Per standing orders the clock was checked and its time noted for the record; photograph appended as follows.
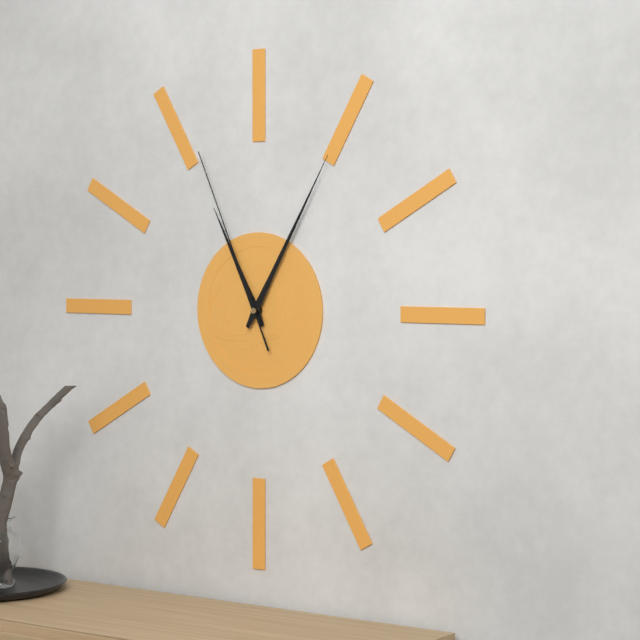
11:05:56
